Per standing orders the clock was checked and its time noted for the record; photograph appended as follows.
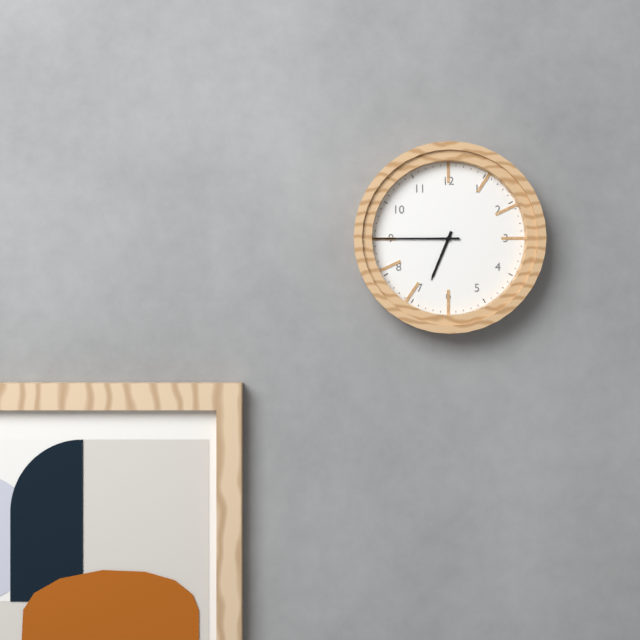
6:45
